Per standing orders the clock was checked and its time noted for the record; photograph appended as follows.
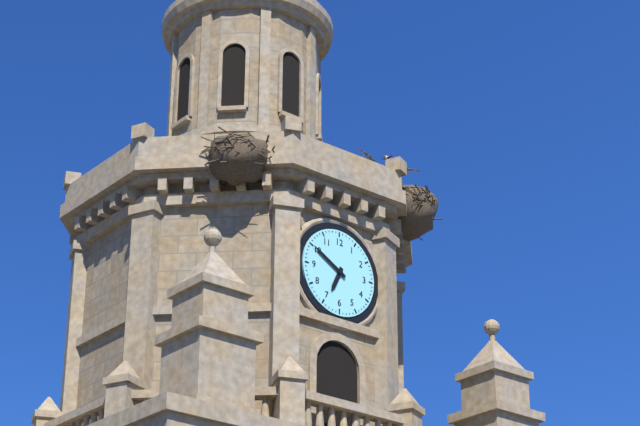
6:50
